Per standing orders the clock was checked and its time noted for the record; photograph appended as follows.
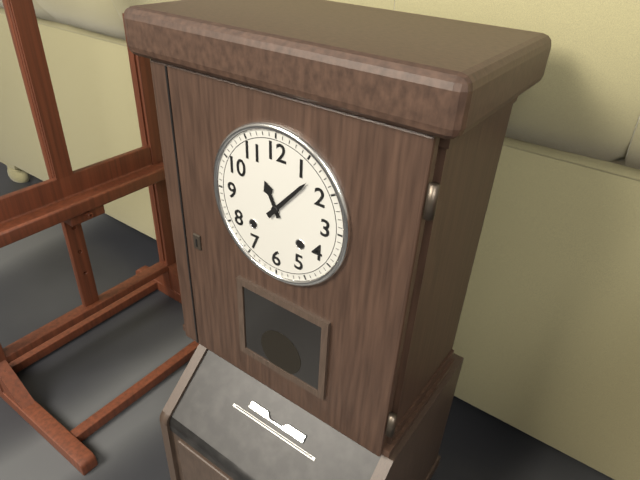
11:07
